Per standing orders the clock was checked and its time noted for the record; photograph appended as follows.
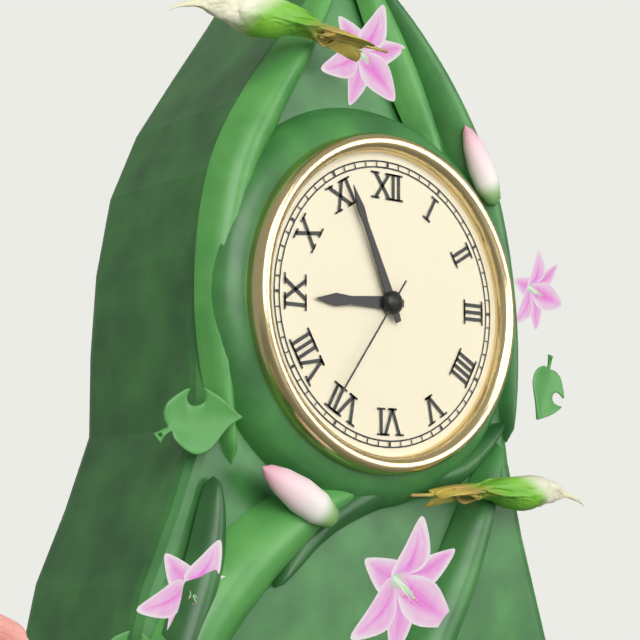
8:56:36
